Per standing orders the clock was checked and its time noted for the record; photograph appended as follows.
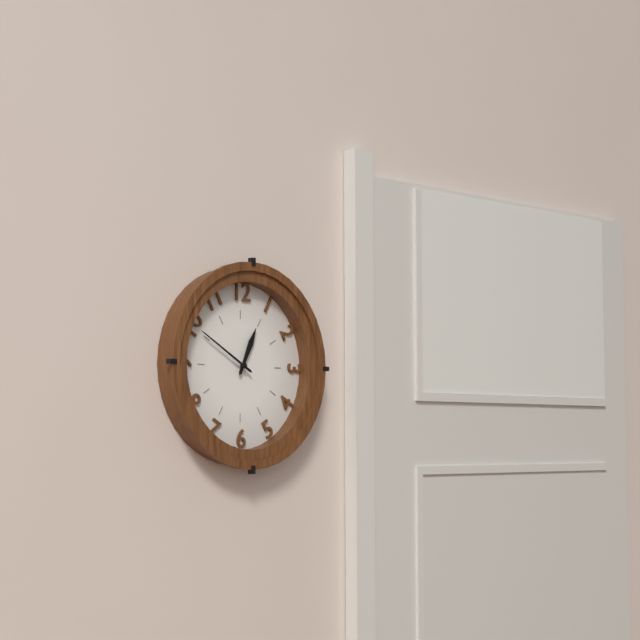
12:50
